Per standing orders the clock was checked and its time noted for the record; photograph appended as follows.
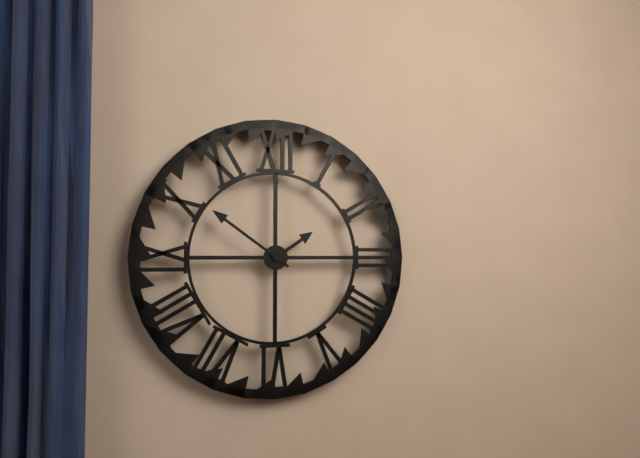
1:51
